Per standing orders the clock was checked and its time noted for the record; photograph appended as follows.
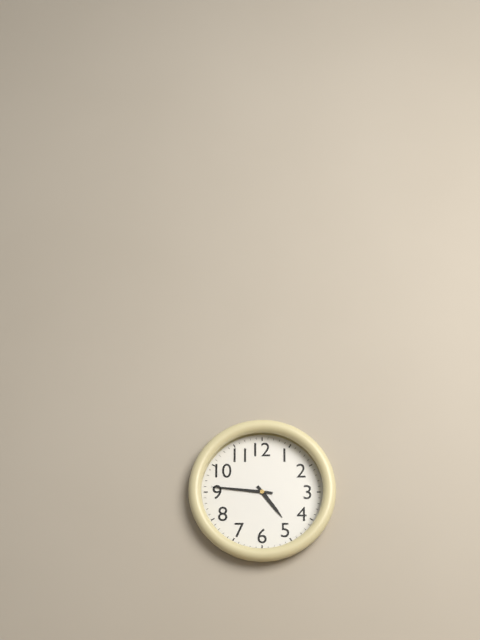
4:46
